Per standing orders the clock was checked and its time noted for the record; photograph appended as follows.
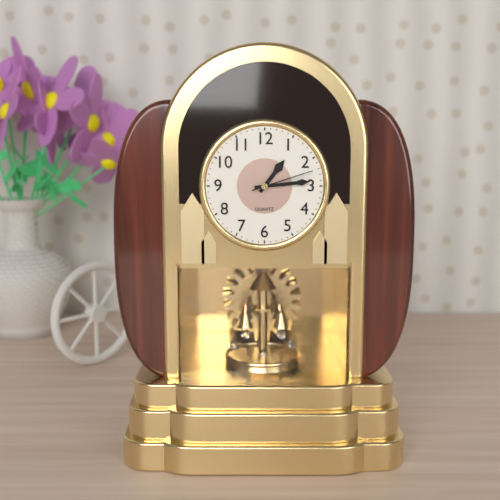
1:14:12
